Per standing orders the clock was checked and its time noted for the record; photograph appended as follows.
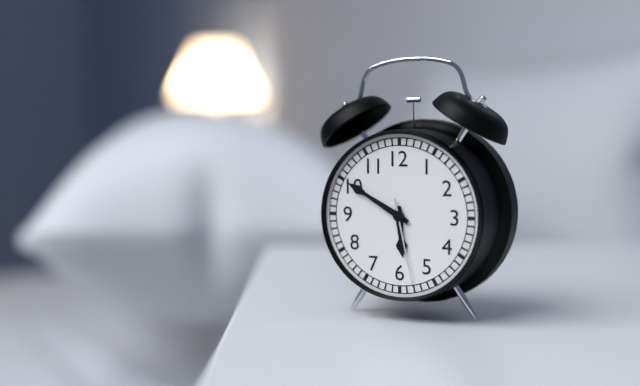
5:50:28
